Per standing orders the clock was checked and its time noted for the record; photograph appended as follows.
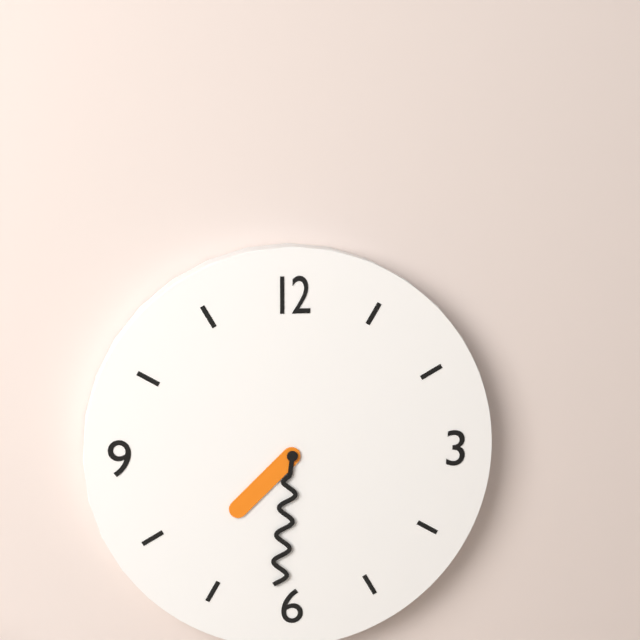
7:31
